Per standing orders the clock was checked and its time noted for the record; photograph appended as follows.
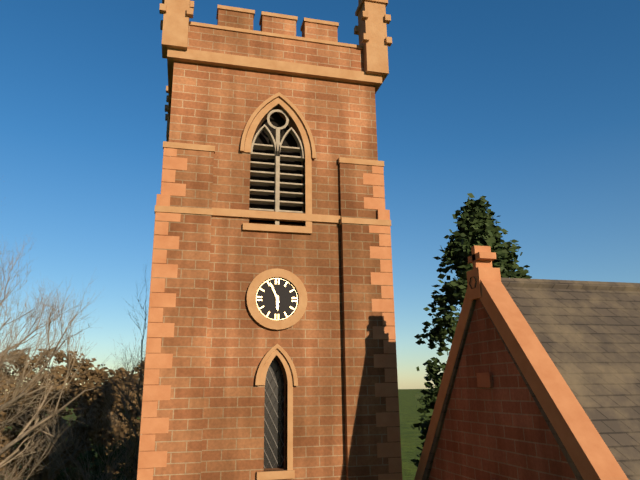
5:56
